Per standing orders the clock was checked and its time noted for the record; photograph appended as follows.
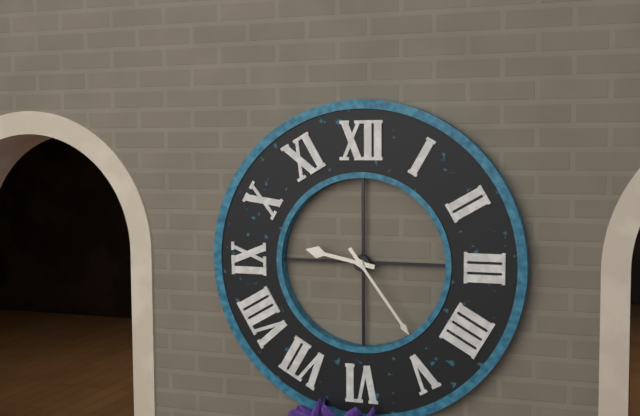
9:24
